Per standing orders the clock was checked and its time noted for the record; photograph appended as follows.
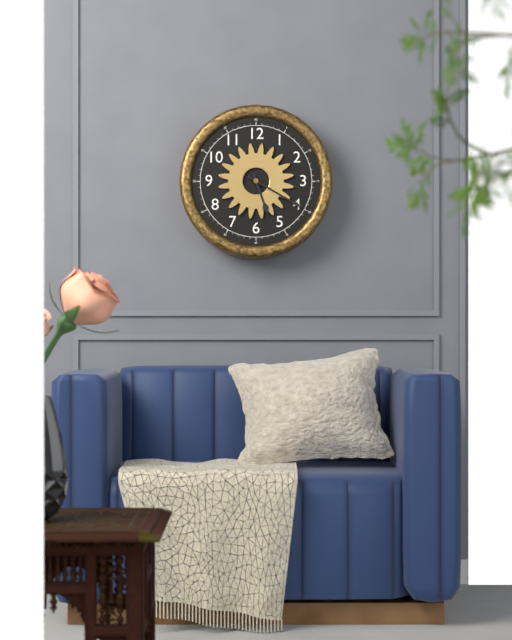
5:20
